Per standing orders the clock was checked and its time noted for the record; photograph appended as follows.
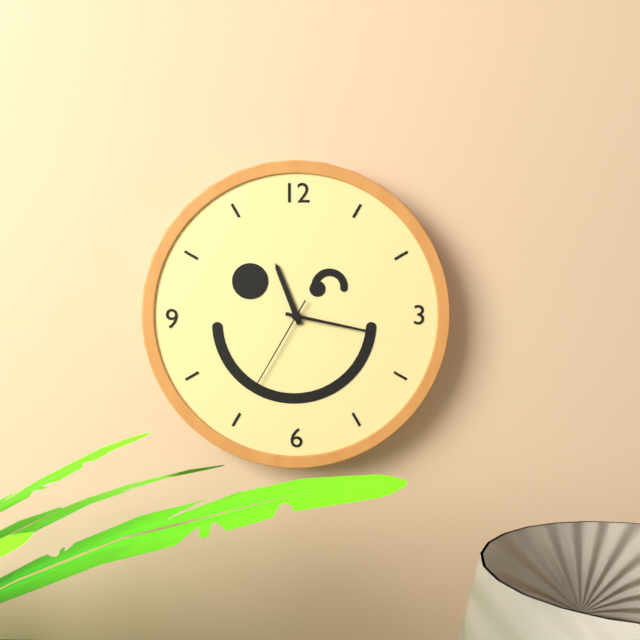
11:17:35
